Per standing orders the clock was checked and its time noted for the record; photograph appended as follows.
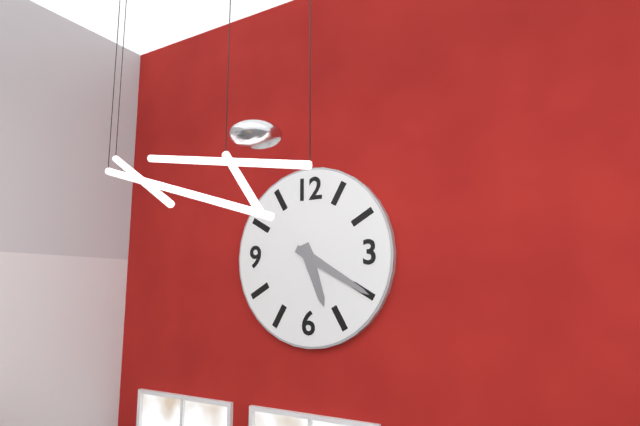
5:20
